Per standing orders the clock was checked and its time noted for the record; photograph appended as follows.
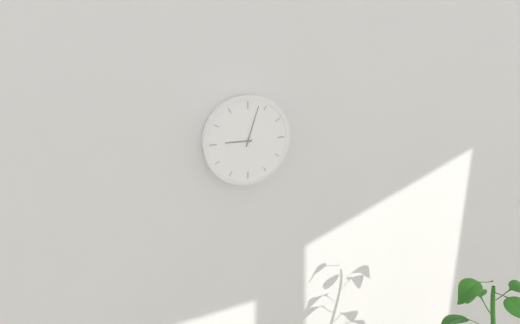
9:03
